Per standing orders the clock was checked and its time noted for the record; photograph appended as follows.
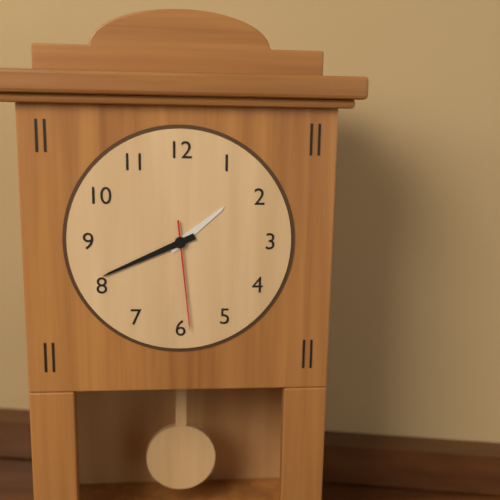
1:41:29
